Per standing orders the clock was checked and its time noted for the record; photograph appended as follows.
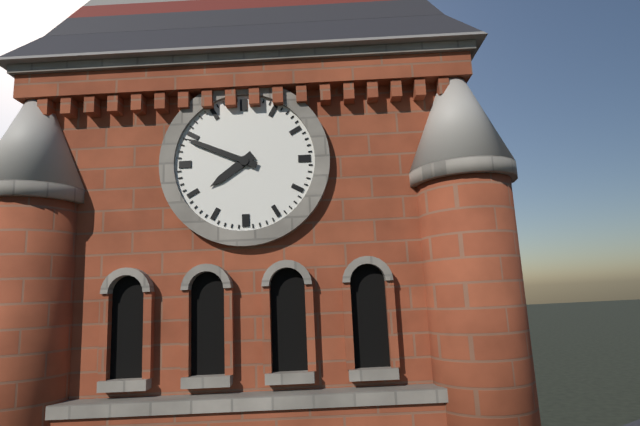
7:49
